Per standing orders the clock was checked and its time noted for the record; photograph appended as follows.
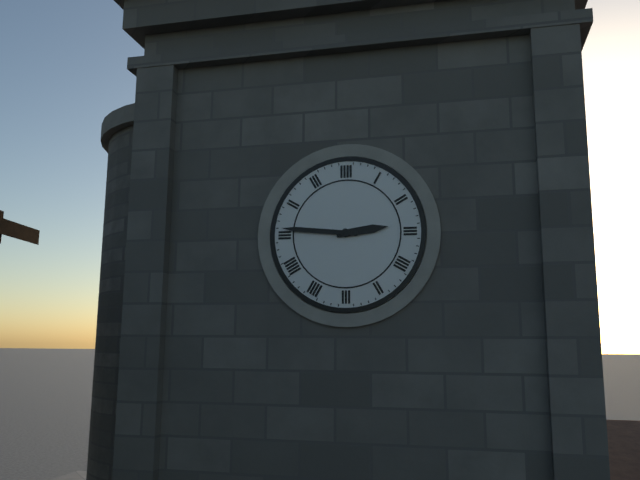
2:46
